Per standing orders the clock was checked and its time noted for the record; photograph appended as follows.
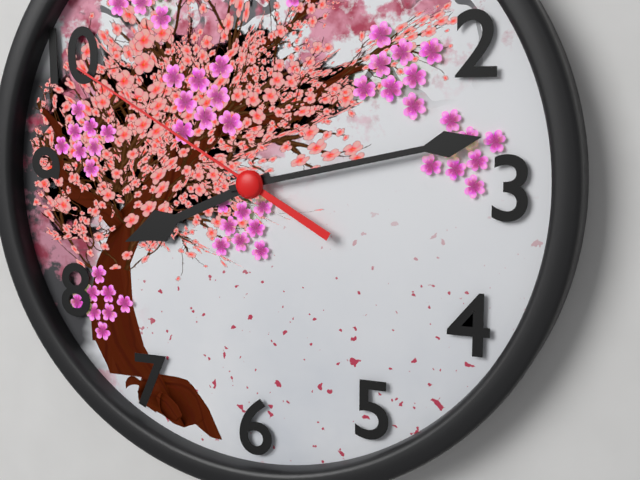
8:13:50
